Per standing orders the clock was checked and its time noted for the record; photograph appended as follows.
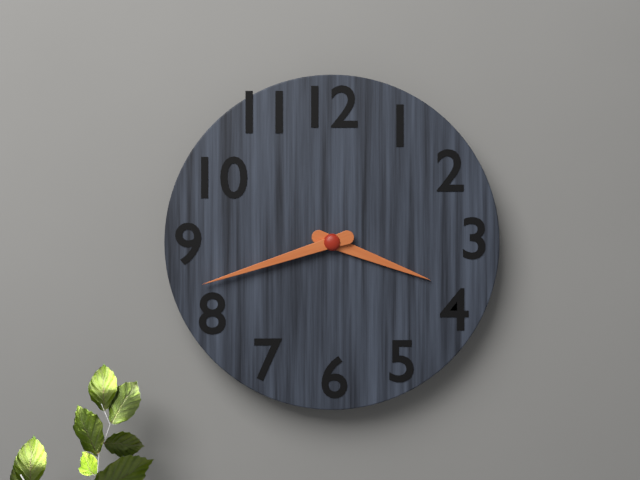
3:42
